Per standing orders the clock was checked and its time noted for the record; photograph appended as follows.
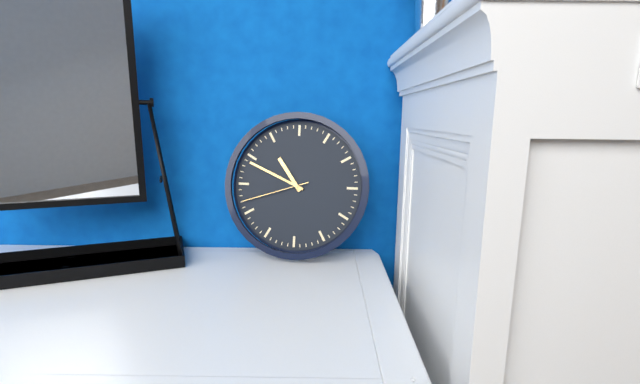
10:49:42
